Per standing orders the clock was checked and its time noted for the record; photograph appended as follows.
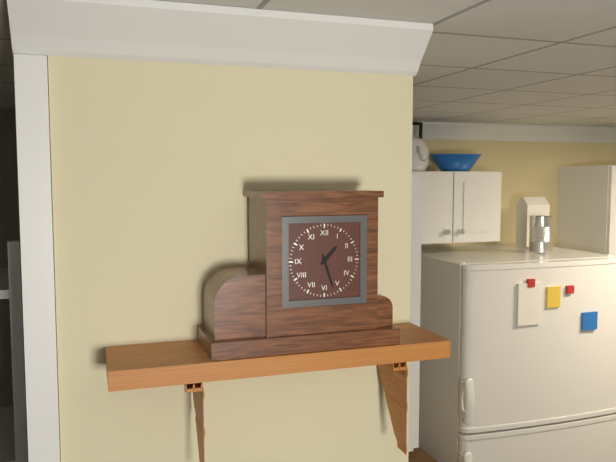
1:27
